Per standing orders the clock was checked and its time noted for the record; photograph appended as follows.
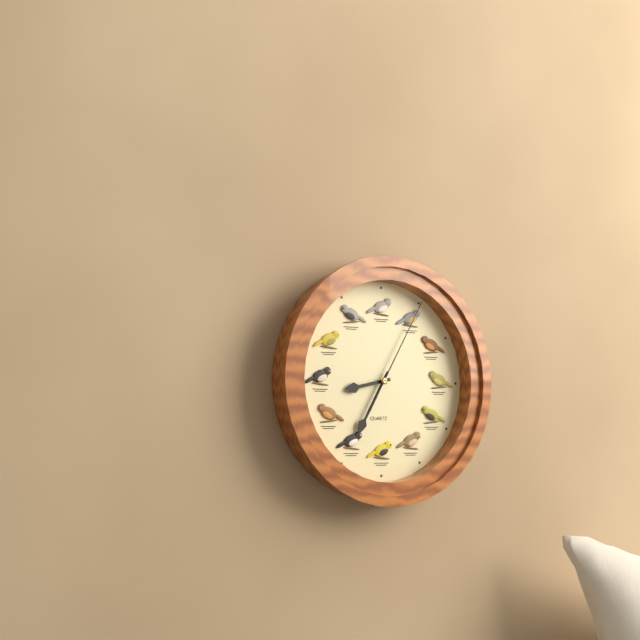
8:35:05
